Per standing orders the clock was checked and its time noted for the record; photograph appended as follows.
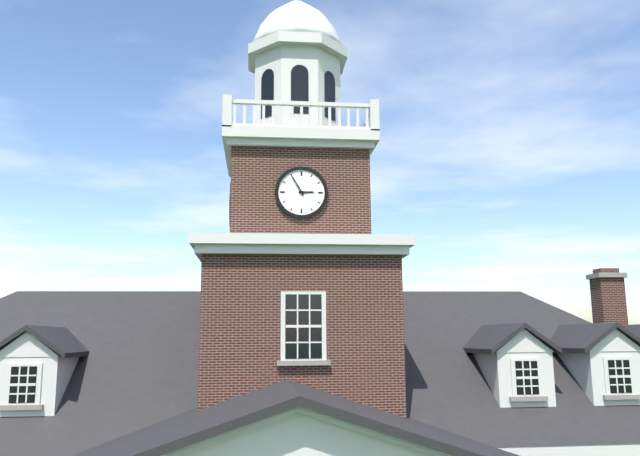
2:55
